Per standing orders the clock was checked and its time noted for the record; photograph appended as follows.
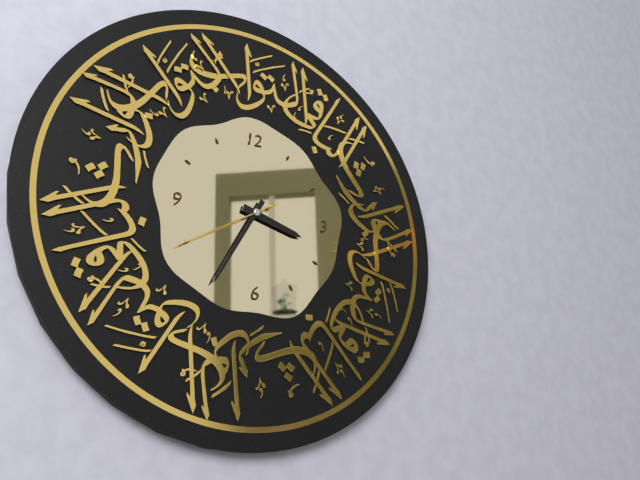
3:35:40
